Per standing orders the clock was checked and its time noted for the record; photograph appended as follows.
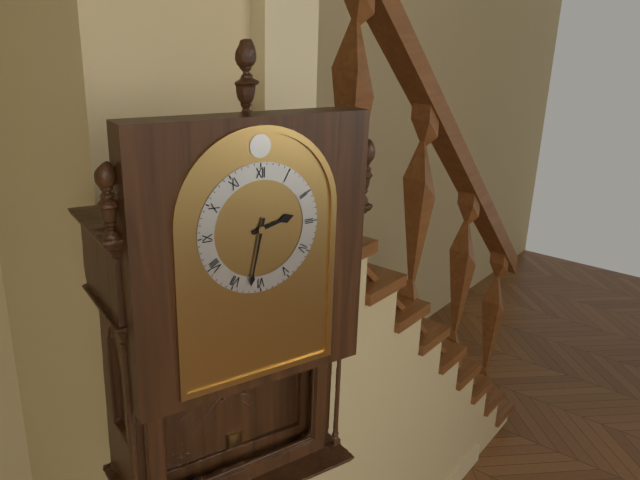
2:32
